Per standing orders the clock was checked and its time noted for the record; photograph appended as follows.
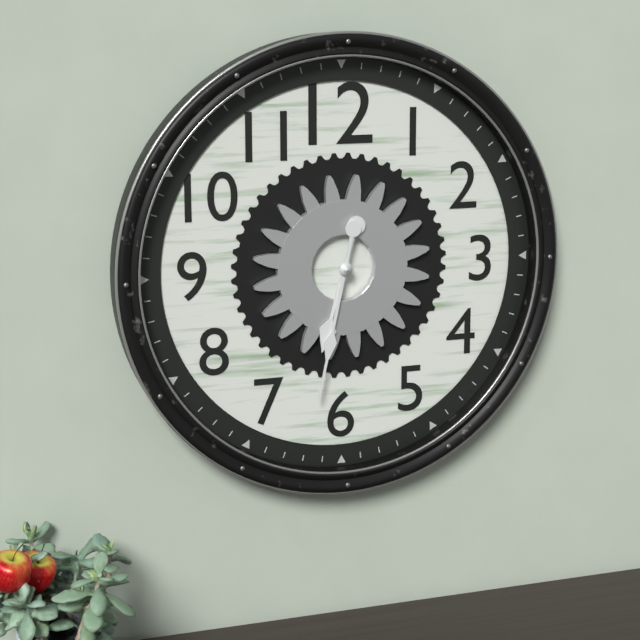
6:32
